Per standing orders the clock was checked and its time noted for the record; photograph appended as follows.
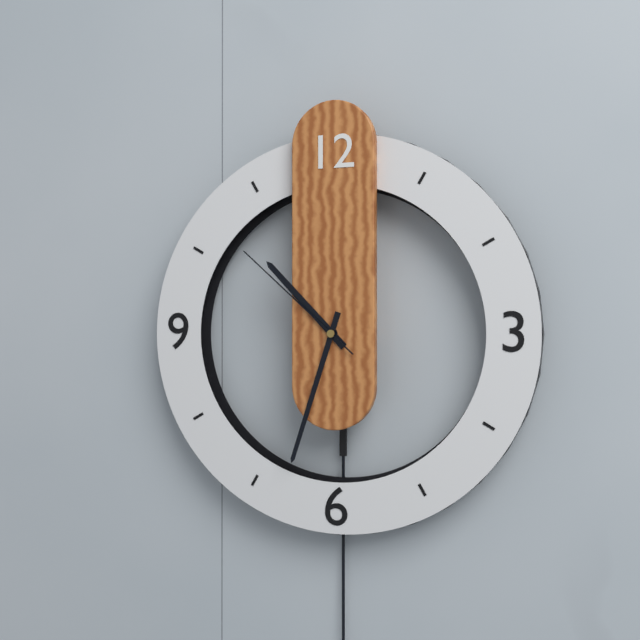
10:33:52
